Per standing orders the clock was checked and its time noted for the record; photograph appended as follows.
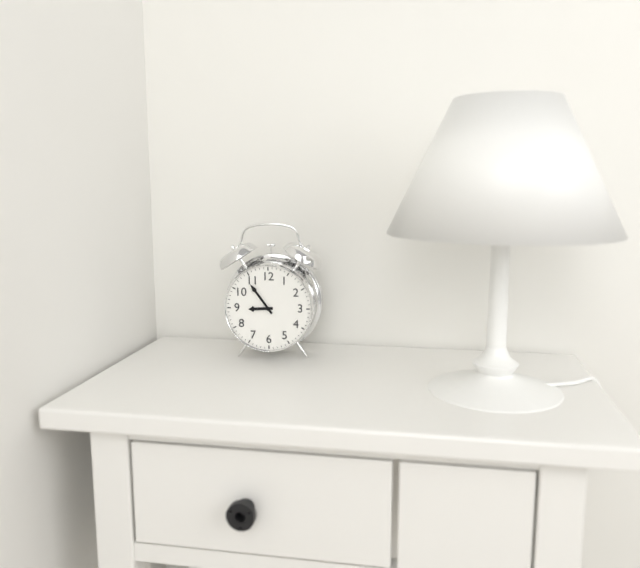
8:54
